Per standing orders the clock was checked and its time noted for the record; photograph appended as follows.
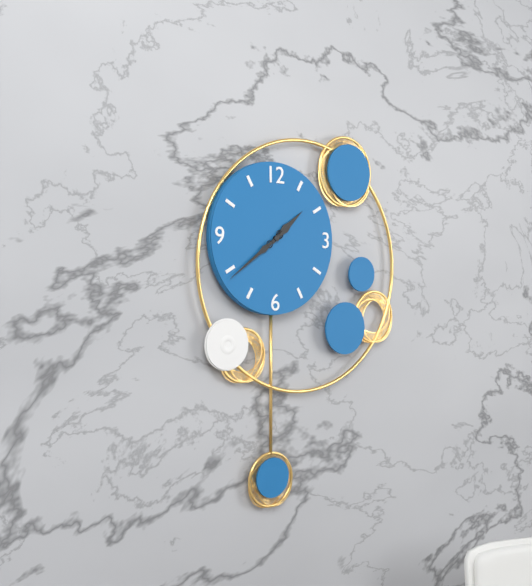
1:39
